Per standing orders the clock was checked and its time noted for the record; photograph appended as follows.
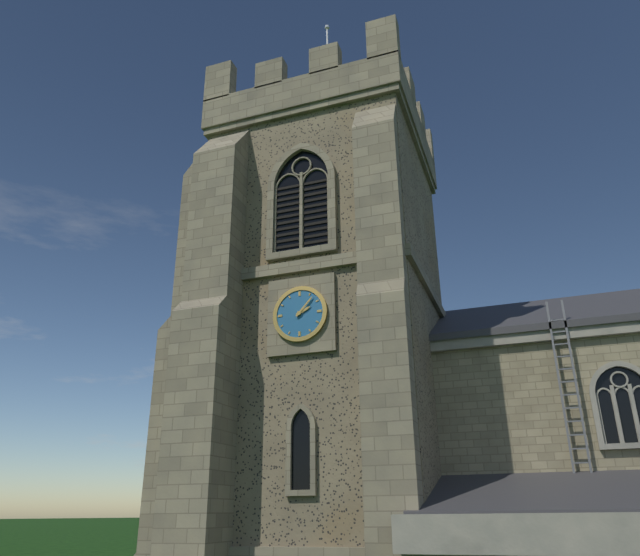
2:07
